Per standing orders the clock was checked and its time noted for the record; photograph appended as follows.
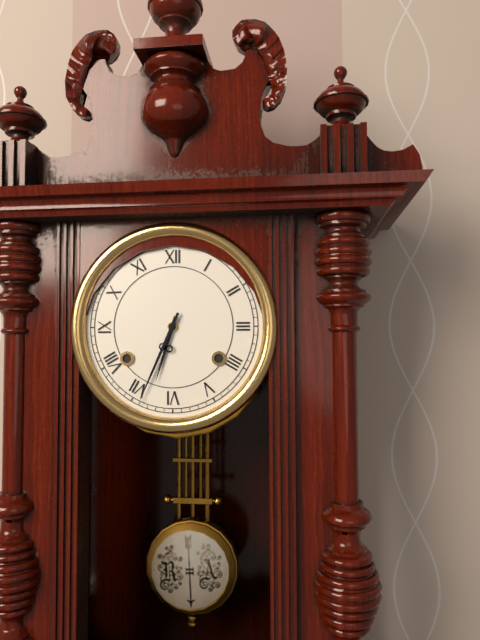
6:34
